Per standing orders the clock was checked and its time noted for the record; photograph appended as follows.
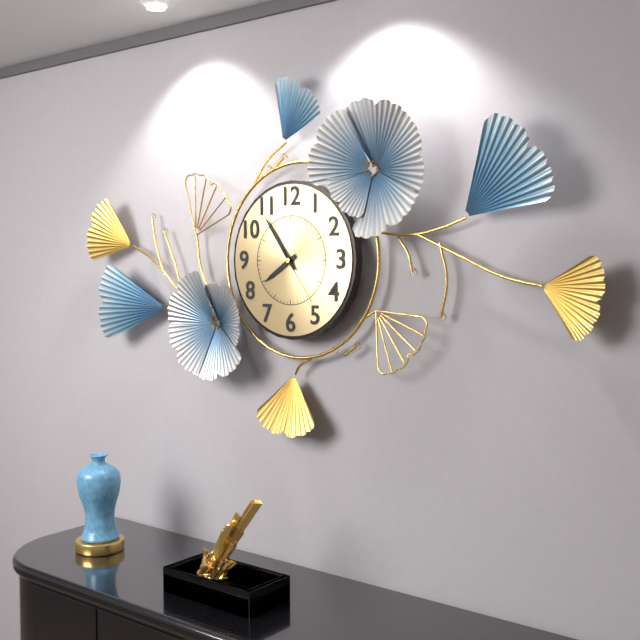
7:54:24
